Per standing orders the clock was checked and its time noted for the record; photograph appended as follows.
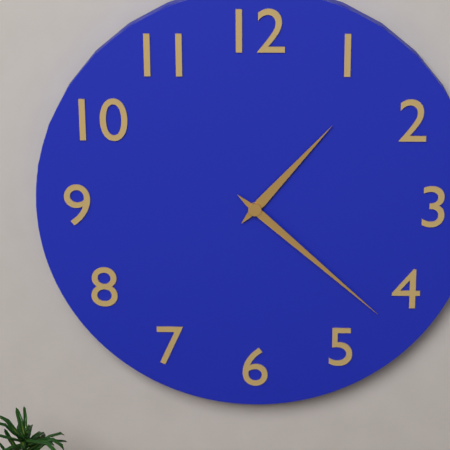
1:22
